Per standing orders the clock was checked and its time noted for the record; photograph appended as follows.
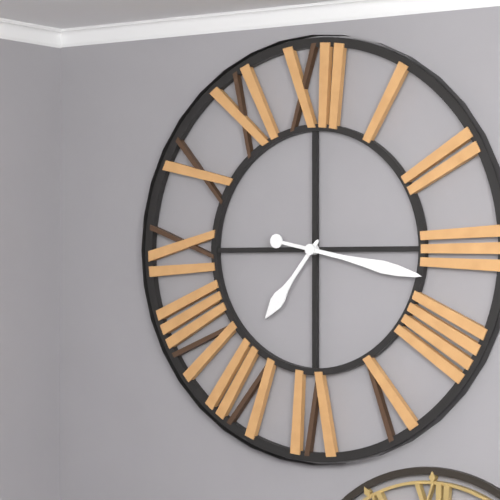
7:17
